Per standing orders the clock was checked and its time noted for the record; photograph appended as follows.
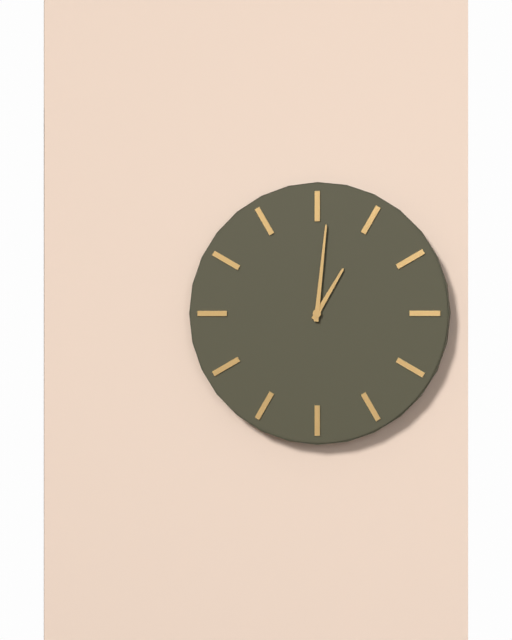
1:01
